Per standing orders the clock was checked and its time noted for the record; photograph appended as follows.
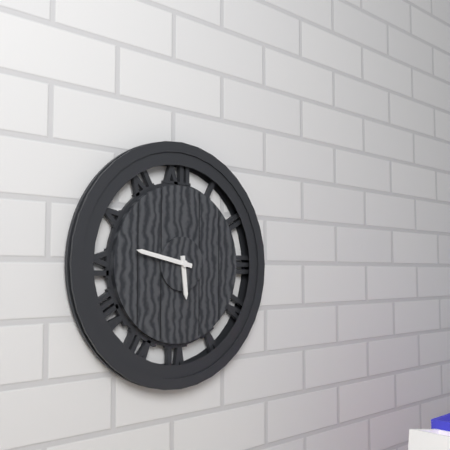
5:47
